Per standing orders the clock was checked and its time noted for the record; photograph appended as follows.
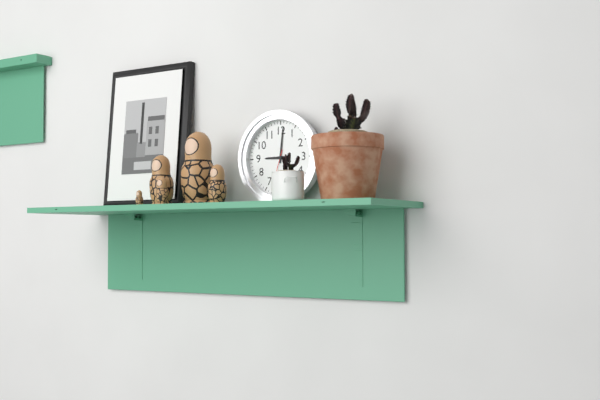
9:01
